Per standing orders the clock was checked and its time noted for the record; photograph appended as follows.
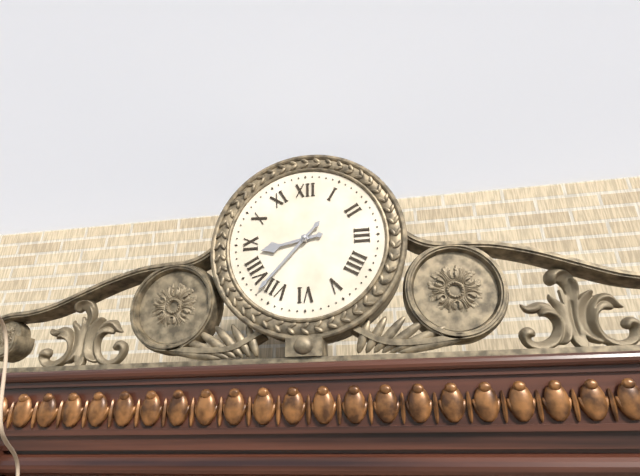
8:37
